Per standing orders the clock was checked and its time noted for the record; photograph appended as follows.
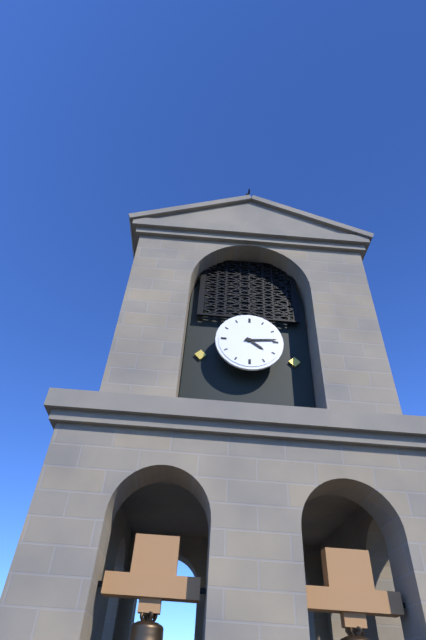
4:14
